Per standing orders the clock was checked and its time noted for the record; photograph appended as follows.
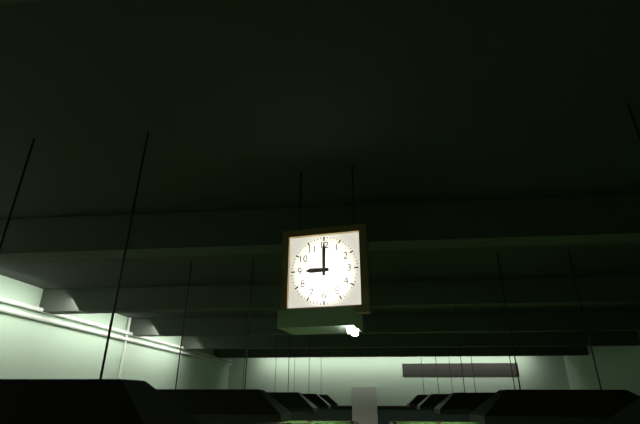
9:00
